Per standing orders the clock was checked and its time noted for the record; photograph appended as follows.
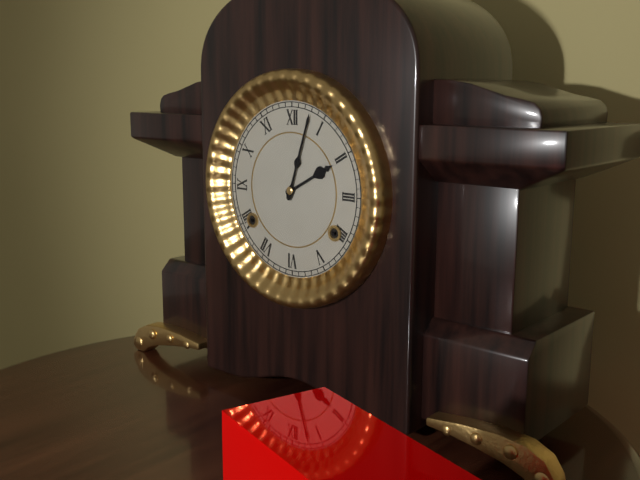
2:03
